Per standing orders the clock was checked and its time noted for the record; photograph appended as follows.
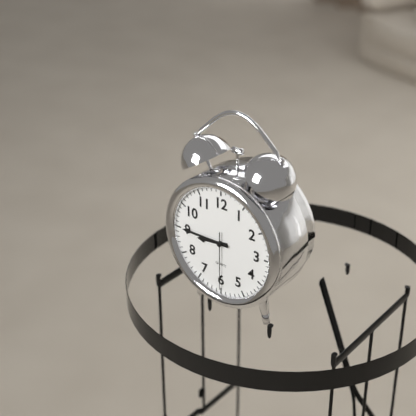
8:45:30
